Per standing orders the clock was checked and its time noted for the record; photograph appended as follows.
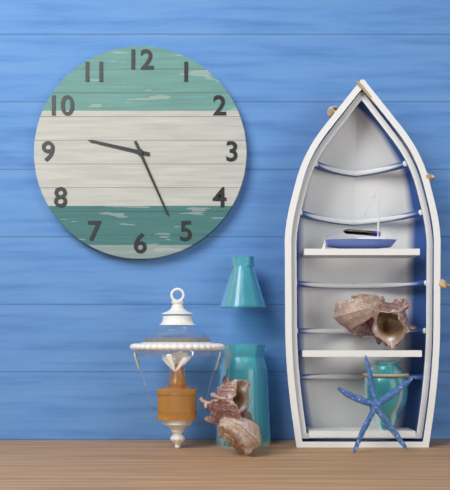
9:26
